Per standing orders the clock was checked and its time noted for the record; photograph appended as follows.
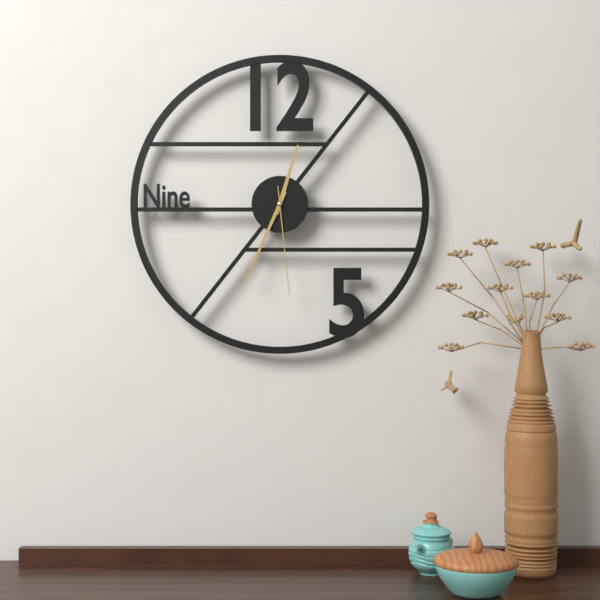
12:34:29
